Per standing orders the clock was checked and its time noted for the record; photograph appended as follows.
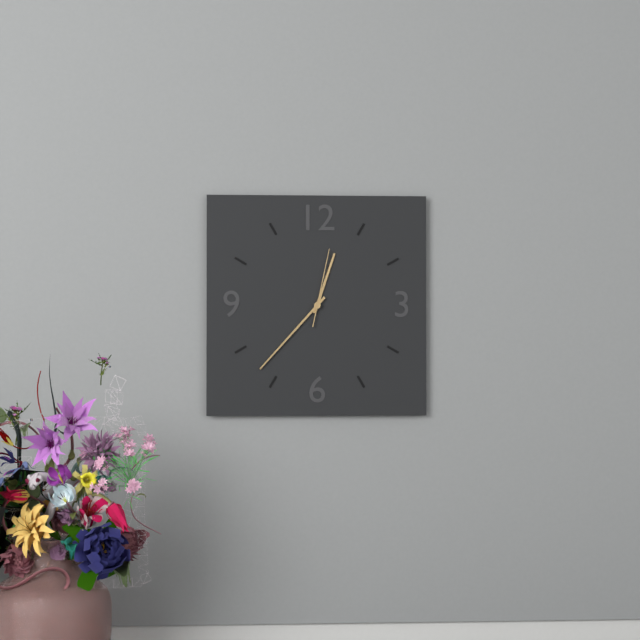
12:37:02
